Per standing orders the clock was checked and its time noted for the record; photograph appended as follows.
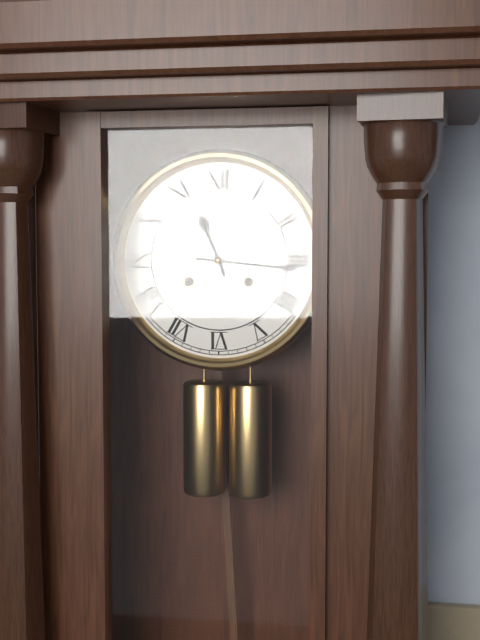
11:16
